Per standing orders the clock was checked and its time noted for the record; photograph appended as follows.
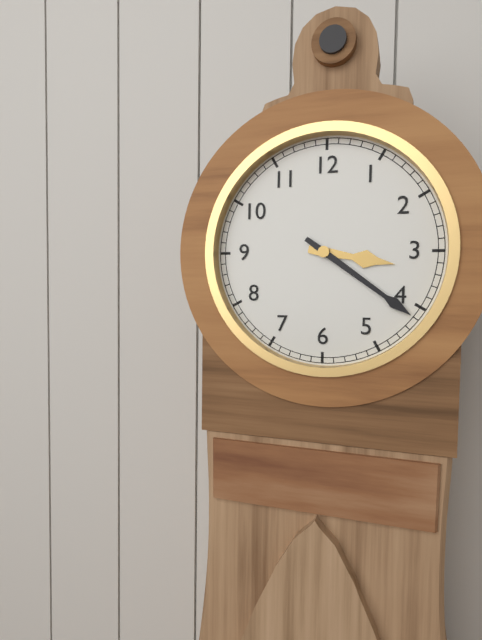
3:21
